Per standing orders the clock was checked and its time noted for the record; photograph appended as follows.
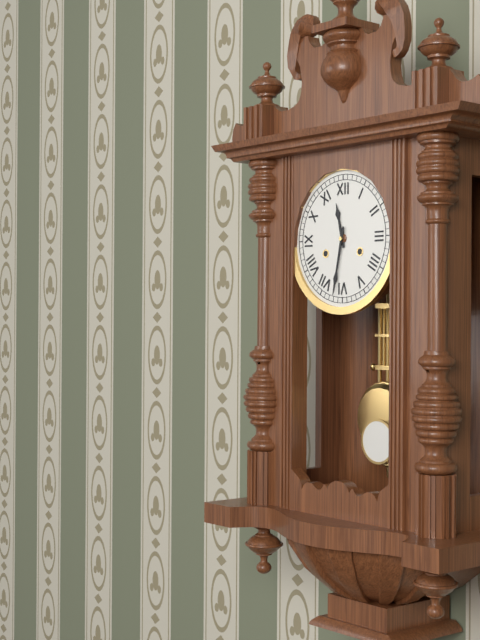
11:32
